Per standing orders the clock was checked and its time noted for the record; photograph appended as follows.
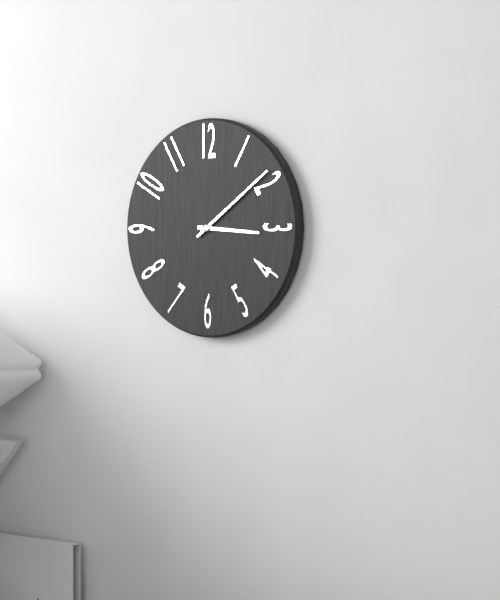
3:09
